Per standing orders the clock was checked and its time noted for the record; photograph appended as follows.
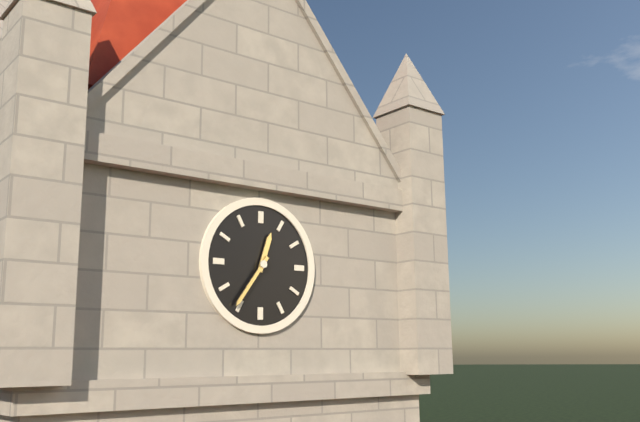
12:36
